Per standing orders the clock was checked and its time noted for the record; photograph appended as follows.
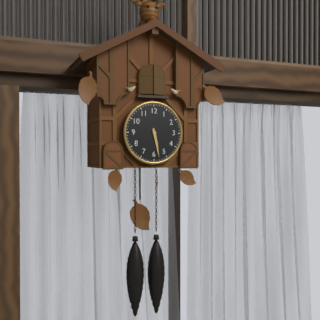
5:28
